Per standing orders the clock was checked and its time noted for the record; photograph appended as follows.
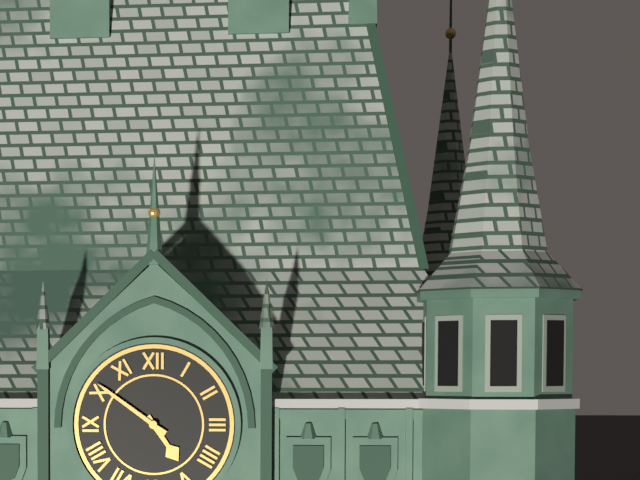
4:51
